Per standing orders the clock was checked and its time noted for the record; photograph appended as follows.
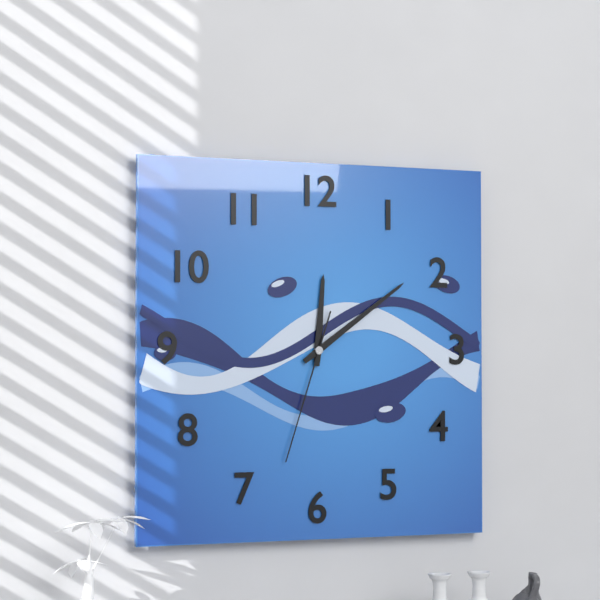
12:09:33
